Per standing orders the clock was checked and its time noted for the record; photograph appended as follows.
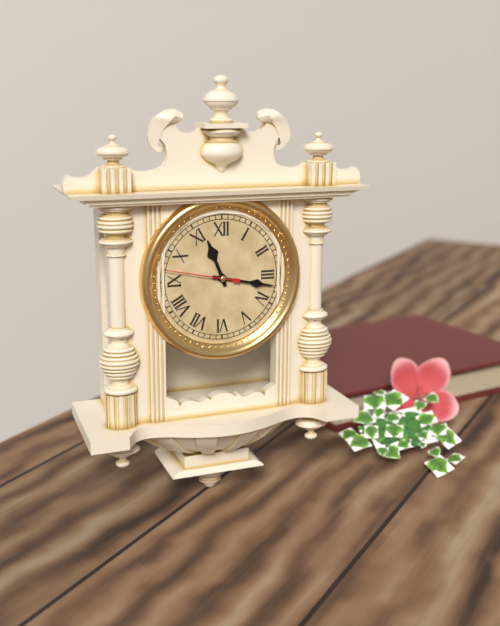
11:17:47
